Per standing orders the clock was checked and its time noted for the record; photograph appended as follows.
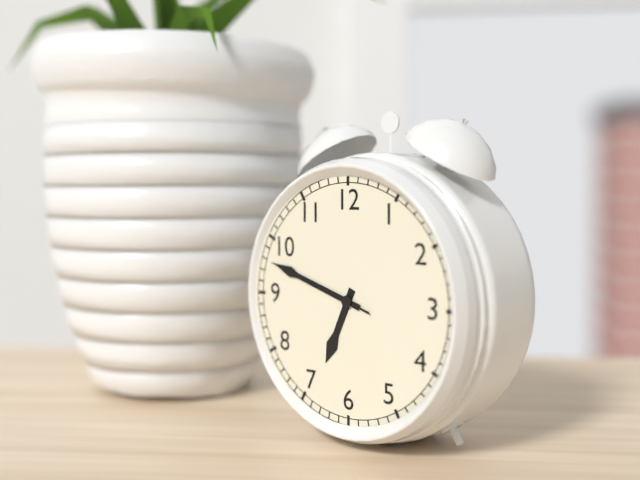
6:48:48
